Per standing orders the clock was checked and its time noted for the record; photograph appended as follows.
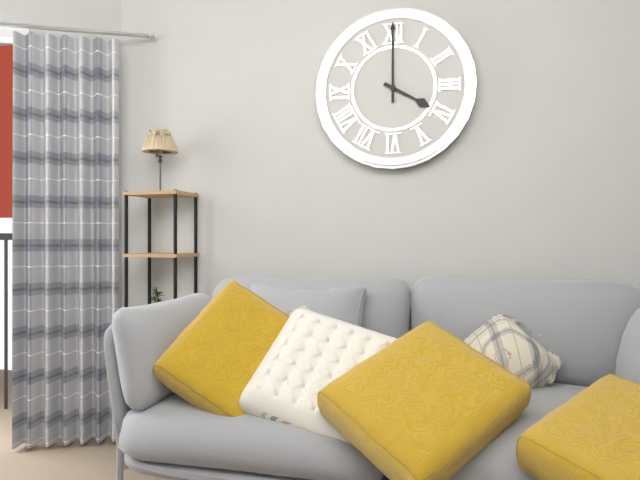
4:00
